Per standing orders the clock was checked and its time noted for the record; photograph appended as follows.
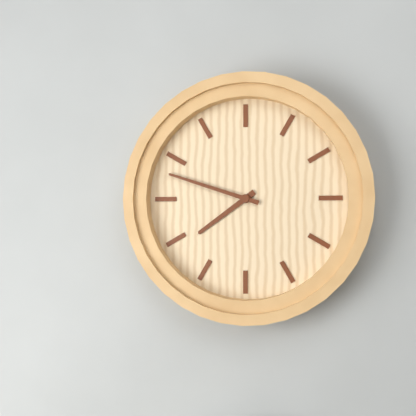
7:48
